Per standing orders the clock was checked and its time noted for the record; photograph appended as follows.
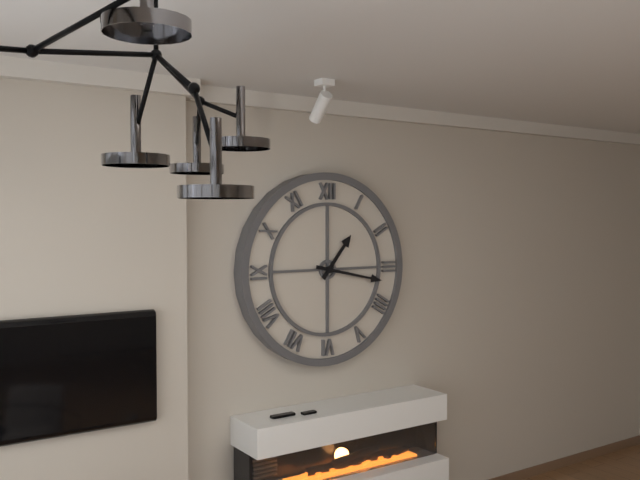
1:17
